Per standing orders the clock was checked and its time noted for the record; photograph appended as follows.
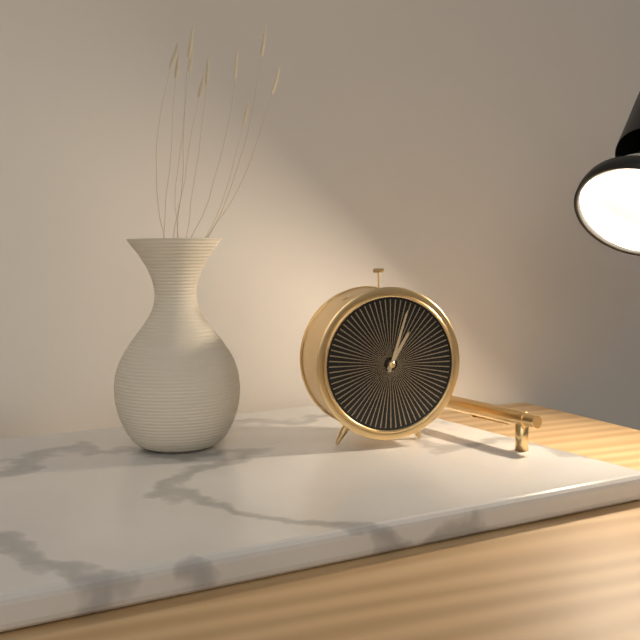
1:03
